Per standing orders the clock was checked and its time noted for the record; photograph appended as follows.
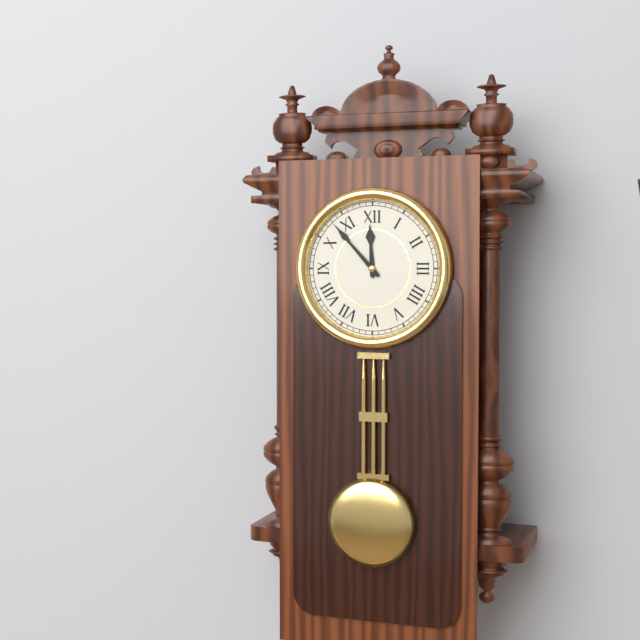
11:53
